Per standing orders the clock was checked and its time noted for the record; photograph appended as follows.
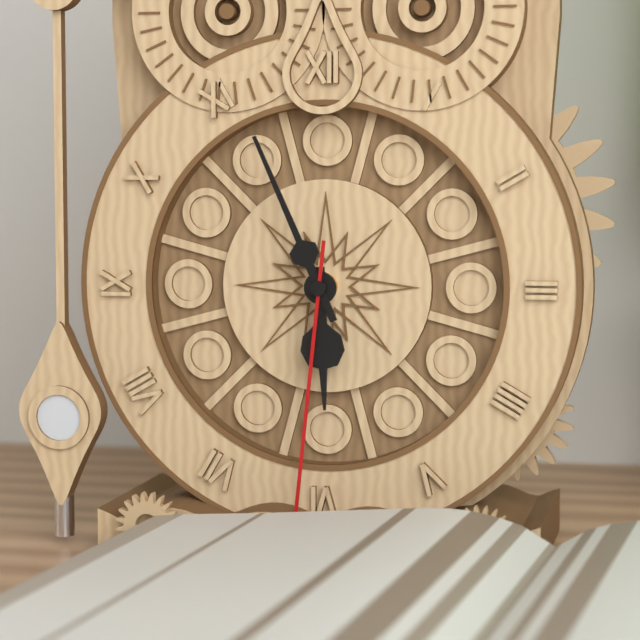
5:56:31
